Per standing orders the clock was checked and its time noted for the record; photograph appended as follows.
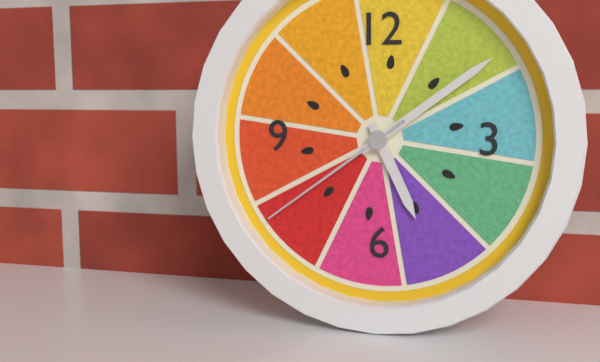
5:09:39
